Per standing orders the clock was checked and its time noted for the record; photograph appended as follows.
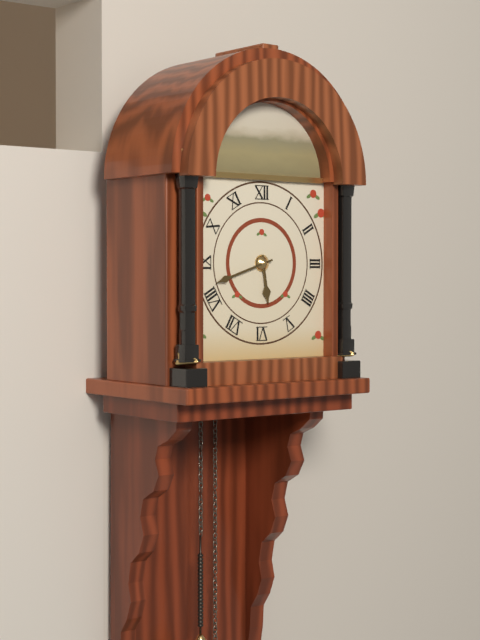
5:42
